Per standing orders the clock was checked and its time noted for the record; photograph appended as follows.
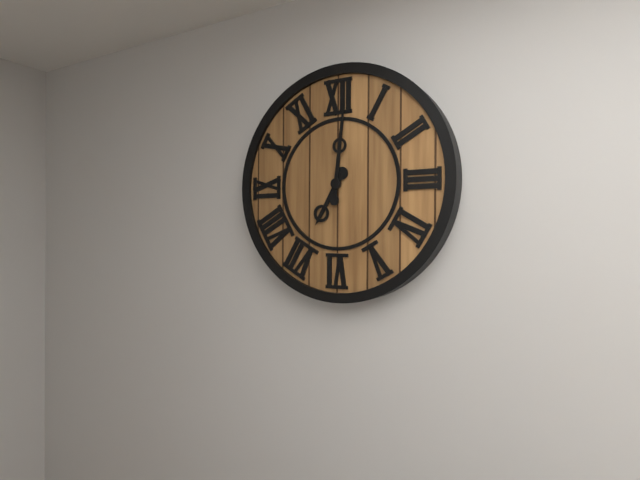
7:01
